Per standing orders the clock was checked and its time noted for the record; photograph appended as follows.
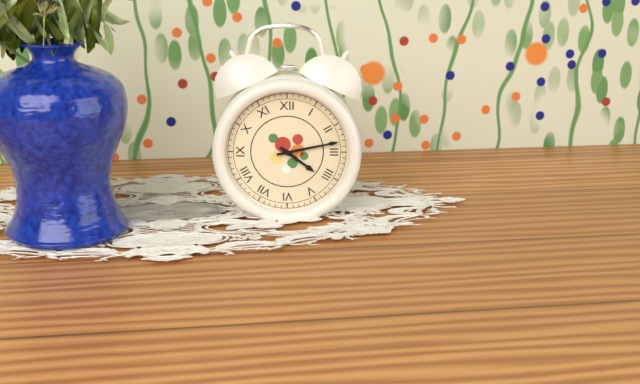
4:13
